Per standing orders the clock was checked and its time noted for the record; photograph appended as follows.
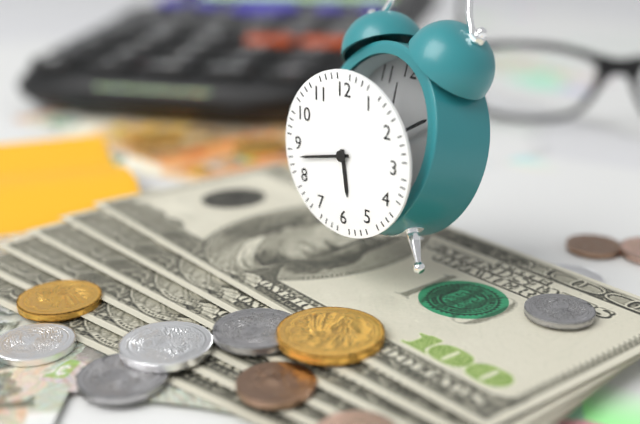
5:43
